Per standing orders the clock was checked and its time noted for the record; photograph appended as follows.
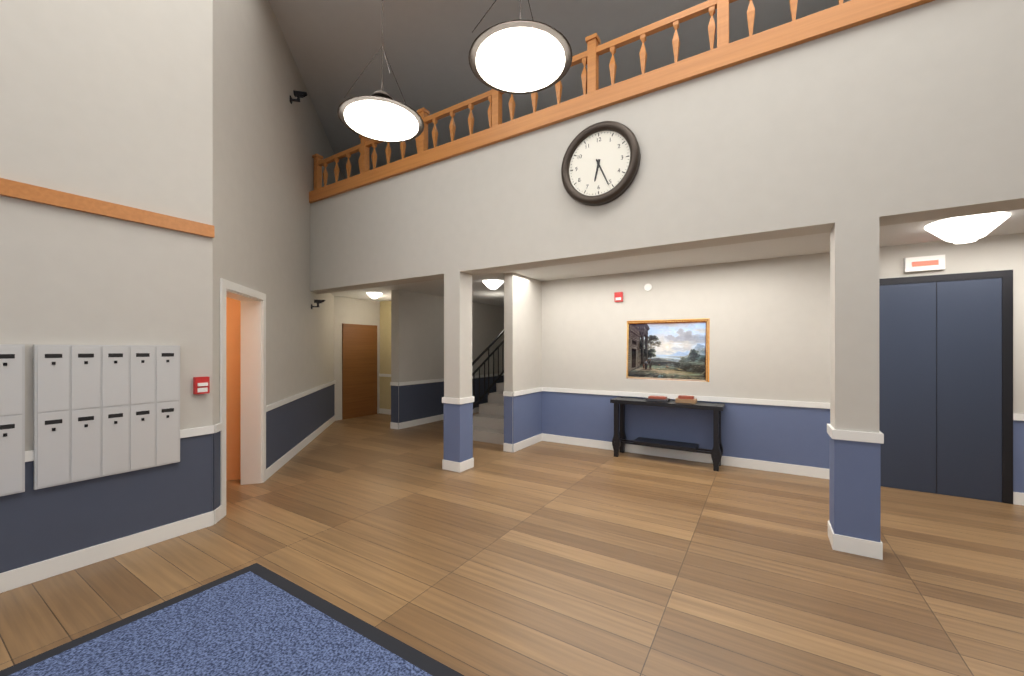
6:26
